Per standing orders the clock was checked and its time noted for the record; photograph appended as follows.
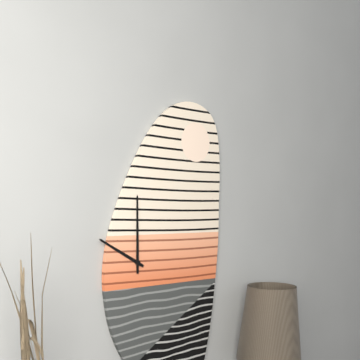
10:00
